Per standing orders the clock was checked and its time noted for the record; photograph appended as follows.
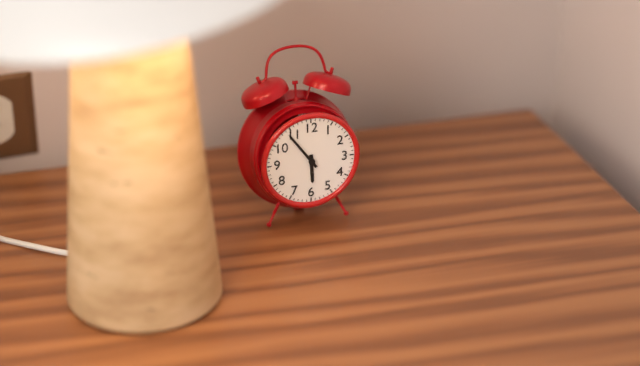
5:54
